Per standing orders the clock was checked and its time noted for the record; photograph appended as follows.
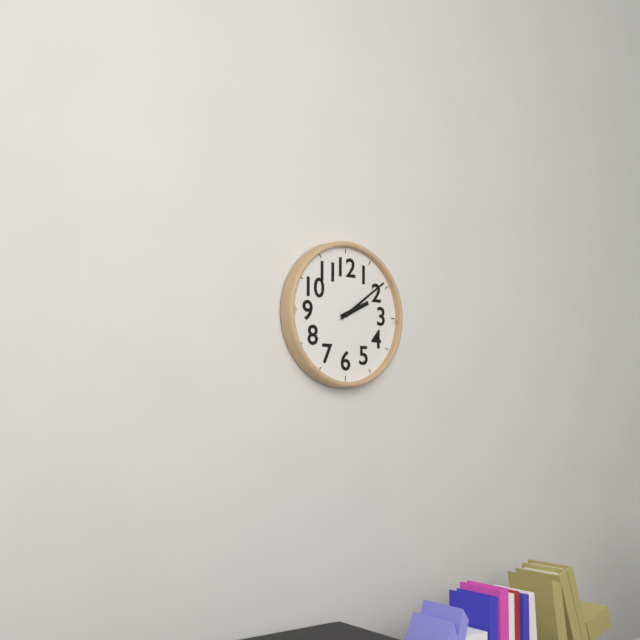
2:09
